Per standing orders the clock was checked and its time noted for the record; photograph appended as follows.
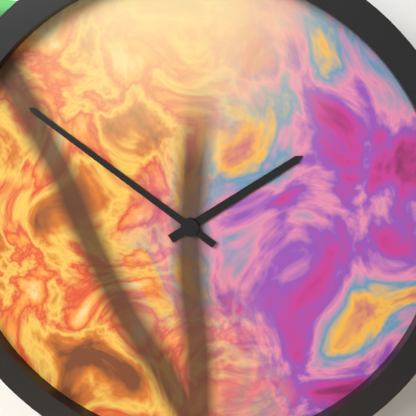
1:51
